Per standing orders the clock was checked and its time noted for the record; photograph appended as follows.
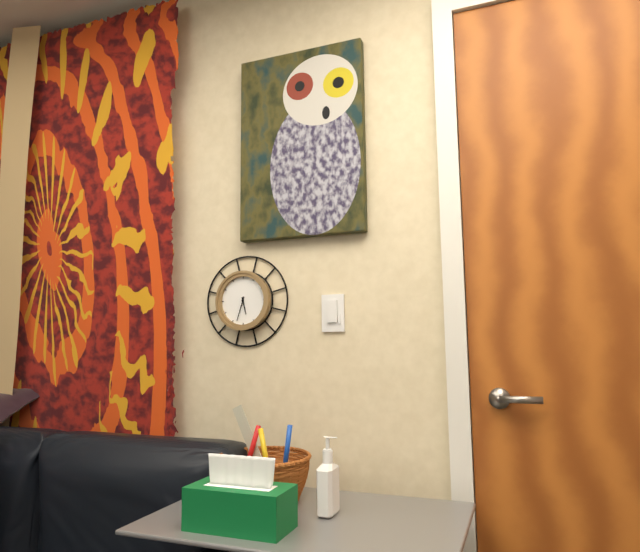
5:33
